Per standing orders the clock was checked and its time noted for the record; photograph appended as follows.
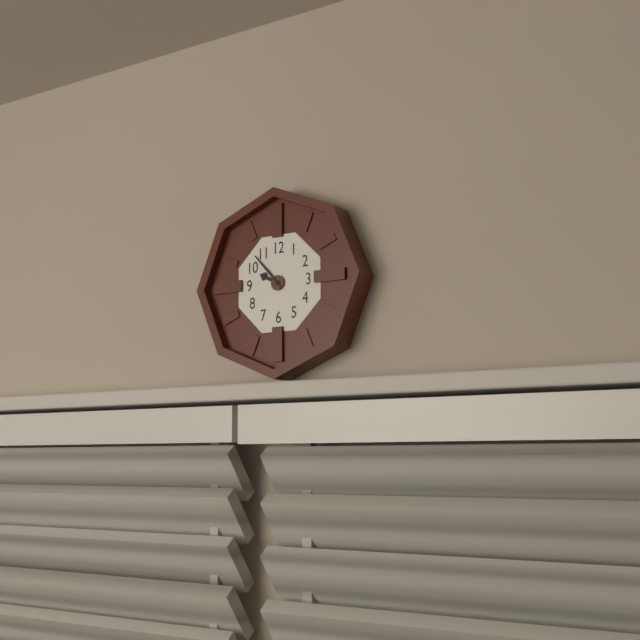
9:53
